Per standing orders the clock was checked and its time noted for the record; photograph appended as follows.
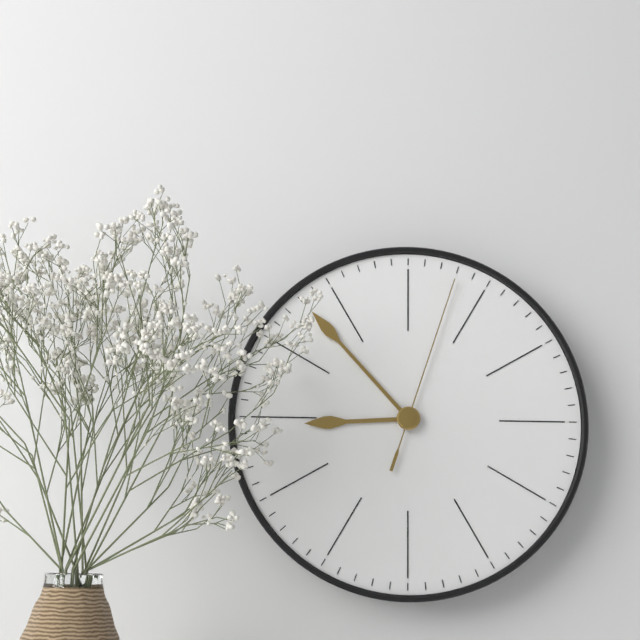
8:53:03
